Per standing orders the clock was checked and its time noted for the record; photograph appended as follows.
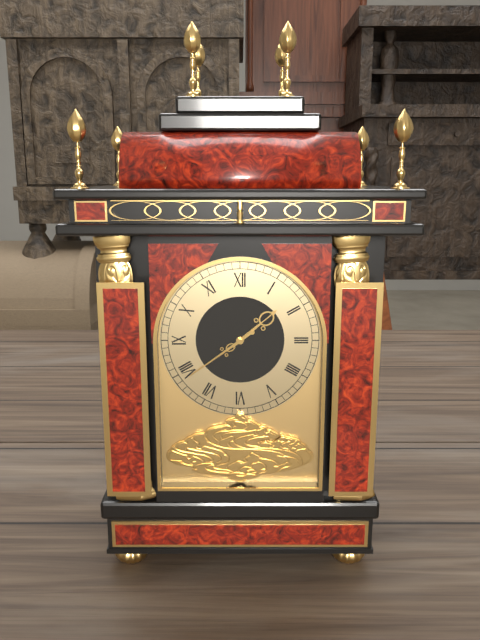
1:39
